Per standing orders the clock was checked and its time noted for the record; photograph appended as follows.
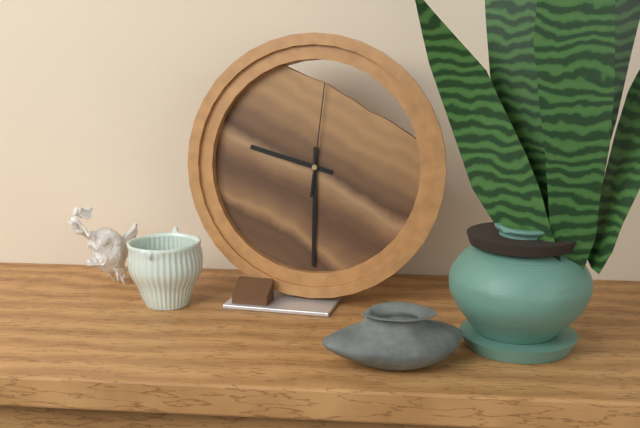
9:30:01
